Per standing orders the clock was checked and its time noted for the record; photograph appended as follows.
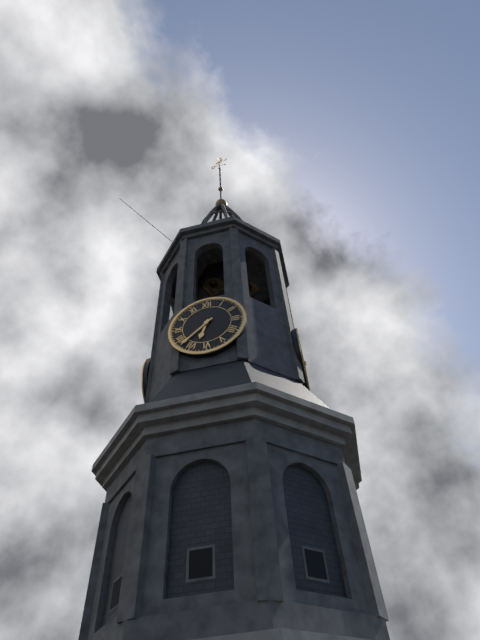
6:38
